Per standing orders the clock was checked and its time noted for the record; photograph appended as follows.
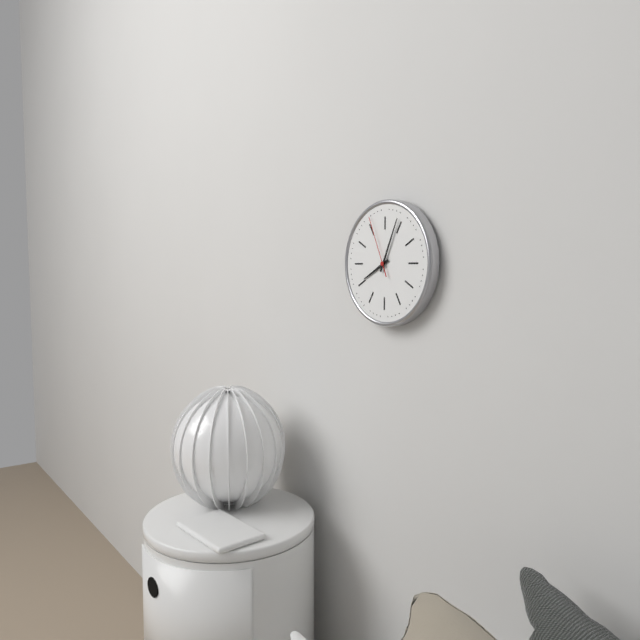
8:04:56
